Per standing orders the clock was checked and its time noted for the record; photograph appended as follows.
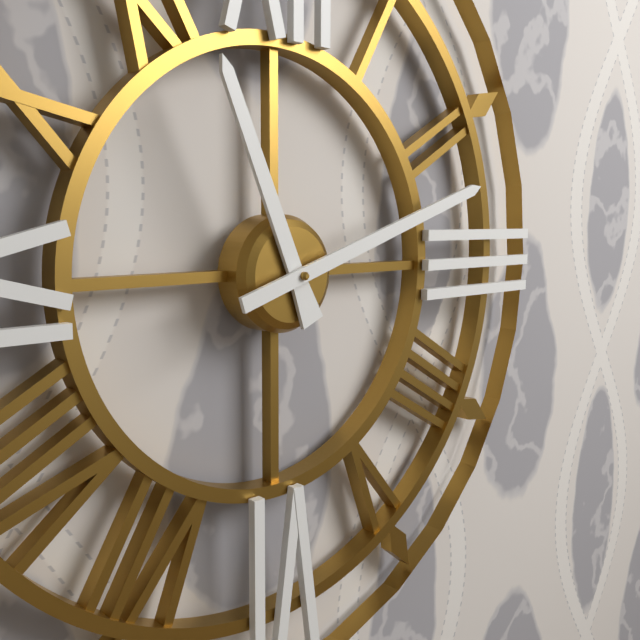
11:12
